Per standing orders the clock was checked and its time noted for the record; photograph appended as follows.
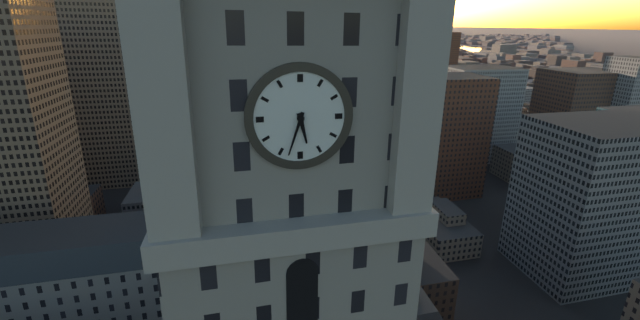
5:33
